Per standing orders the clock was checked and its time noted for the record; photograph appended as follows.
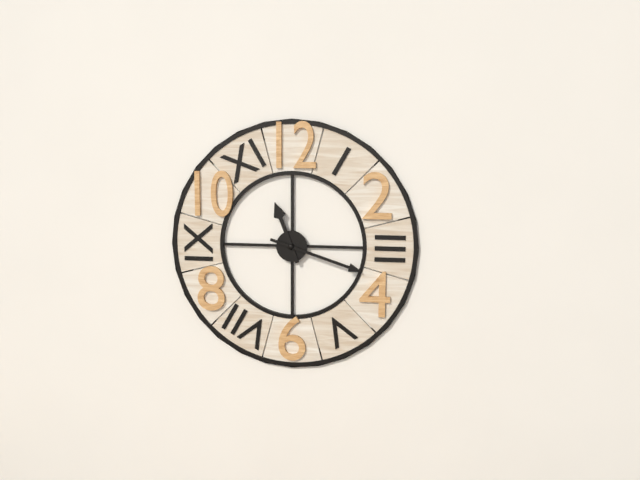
11:18
